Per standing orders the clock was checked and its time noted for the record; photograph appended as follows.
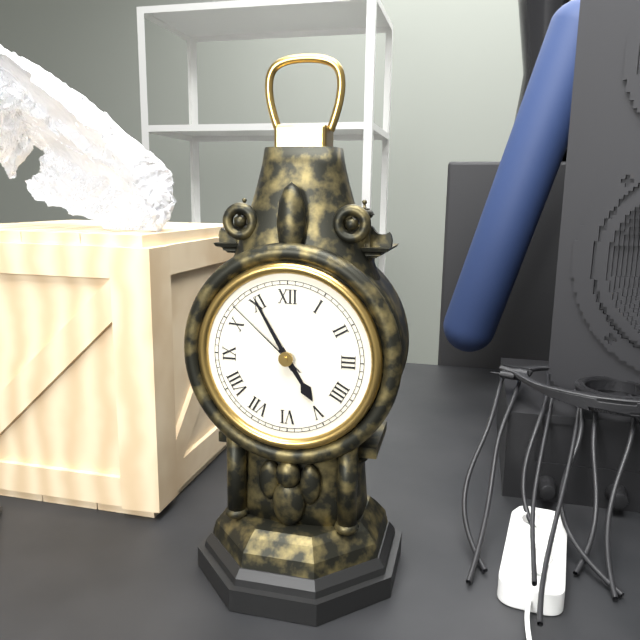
4:55:52
